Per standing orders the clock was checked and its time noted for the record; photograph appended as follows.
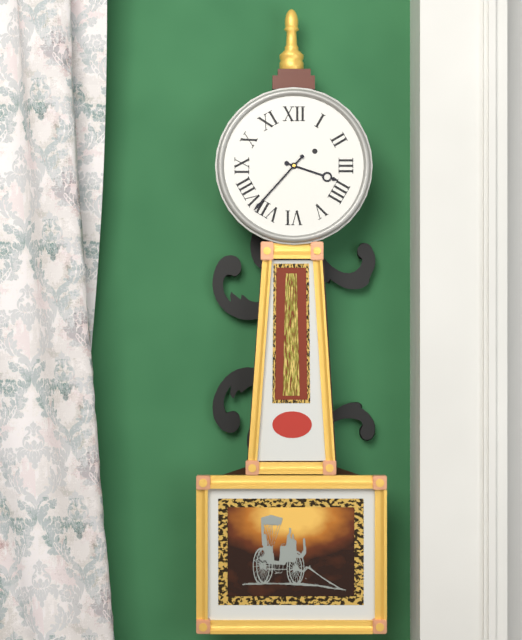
3:37
